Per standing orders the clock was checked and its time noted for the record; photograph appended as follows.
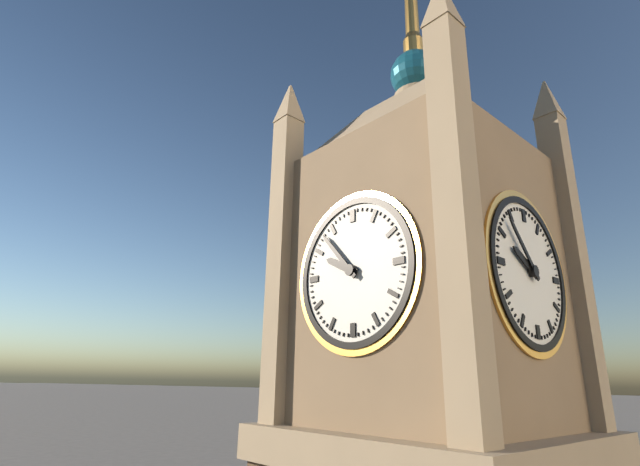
9:53
